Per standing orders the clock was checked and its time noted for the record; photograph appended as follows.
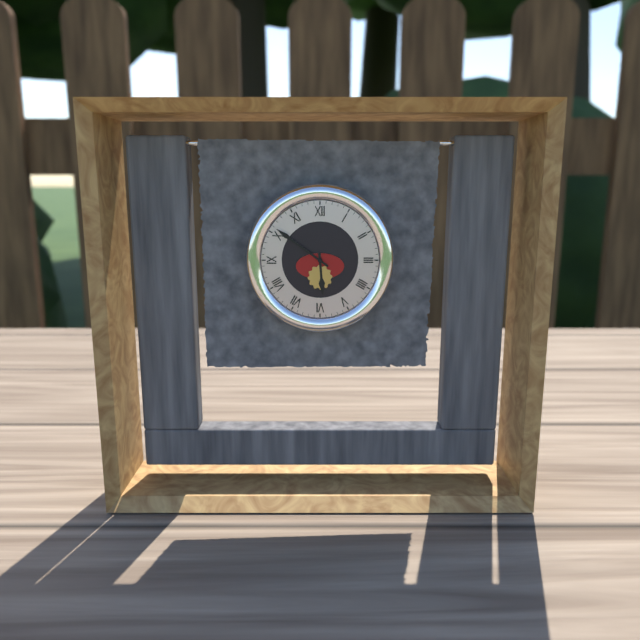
5:51
